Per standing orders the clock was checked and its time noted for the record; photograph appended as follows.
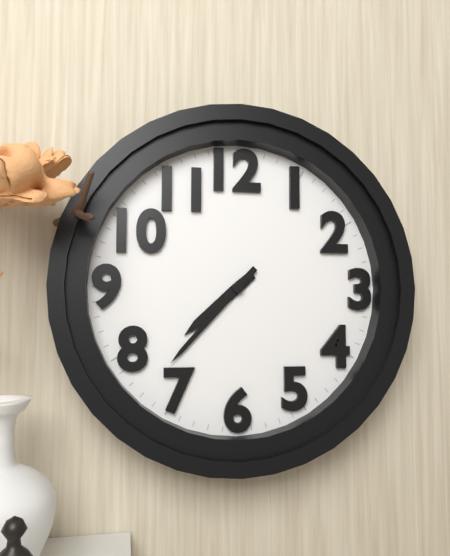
7:37
